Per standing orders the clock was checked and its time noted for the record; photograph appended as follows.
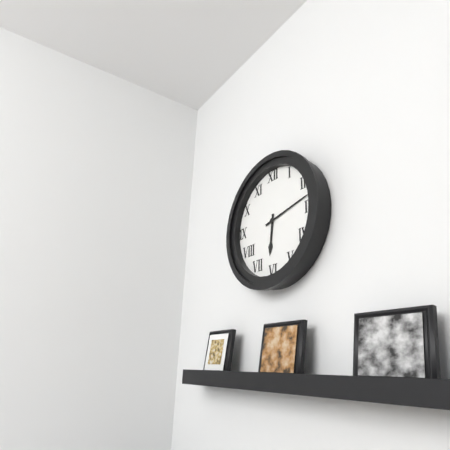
6:13
